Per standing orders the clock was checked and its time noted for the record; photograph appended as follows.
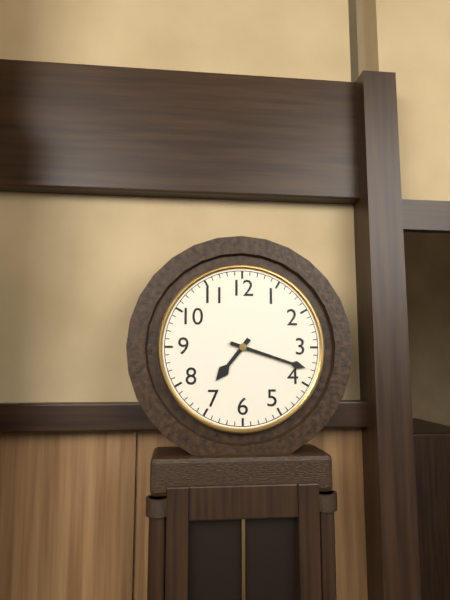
7:18
